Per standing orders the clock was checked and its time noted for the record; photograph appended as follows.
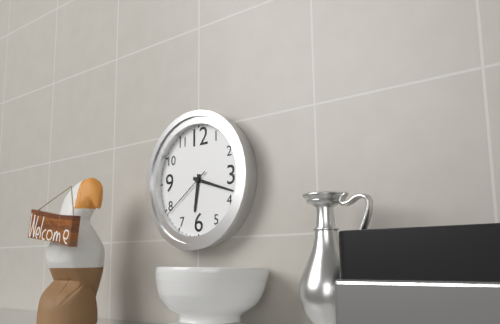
6:18:39
